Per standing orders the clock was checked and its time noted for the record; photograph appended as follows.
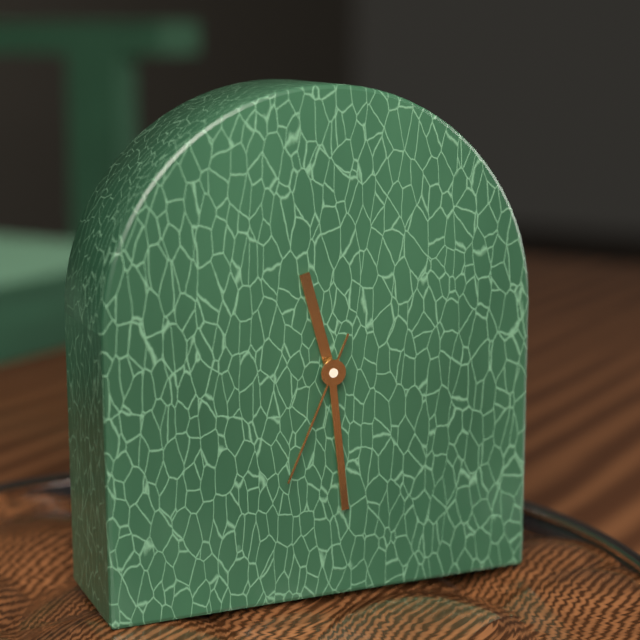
11:29:34
